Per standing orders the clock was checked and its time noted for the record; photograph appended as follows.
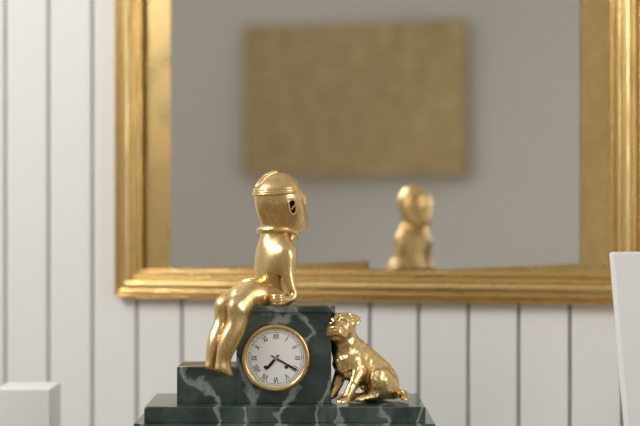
7:20
